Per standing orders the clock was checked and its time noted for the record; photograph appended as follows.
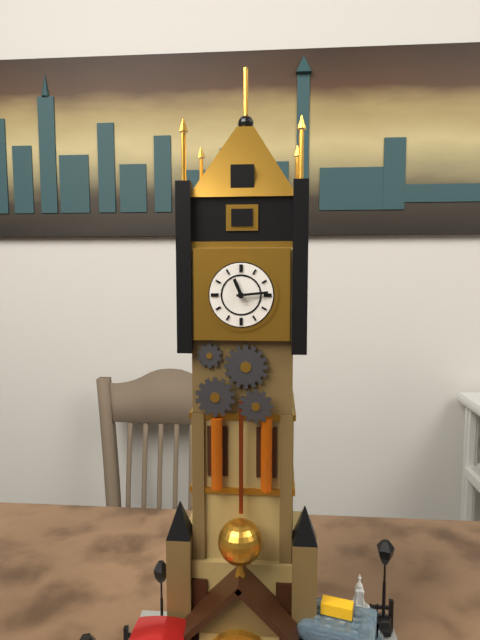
11:14
